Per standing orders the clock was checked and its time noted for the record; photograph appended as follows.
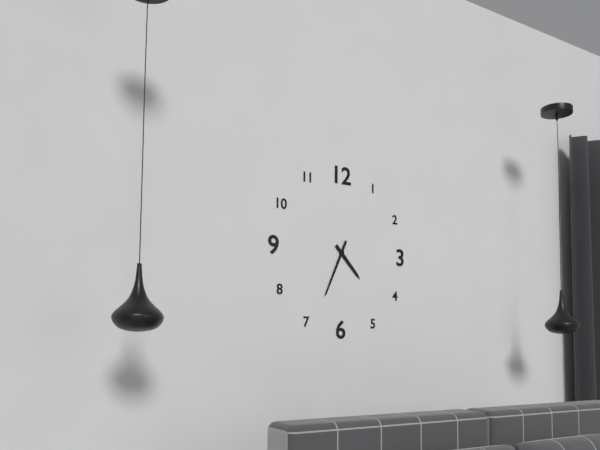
4:34
